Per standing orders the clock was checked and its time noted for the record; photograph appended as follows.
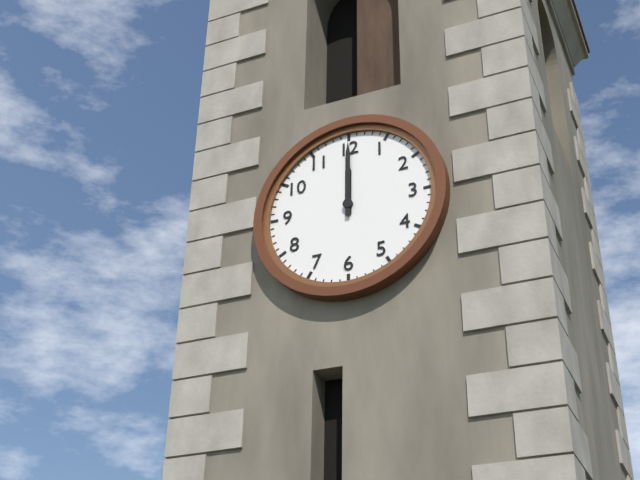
12:00
